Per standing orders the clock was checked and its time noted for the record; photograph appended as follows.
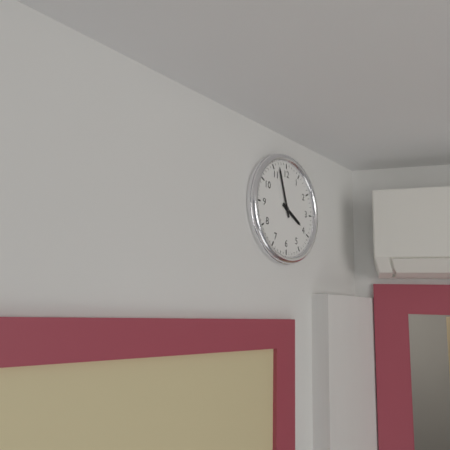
3:57
